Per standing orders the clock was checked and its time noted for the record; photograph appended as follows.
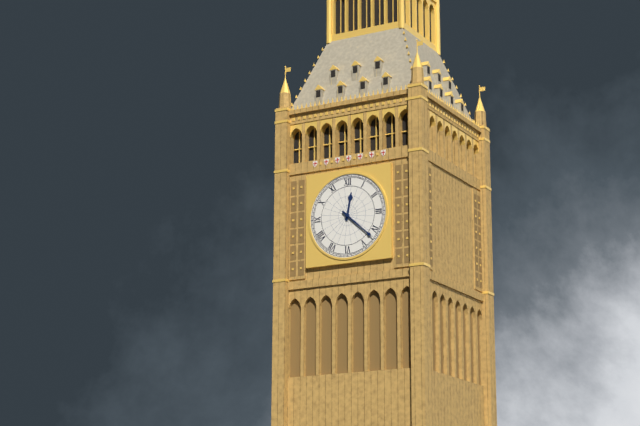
12:22
